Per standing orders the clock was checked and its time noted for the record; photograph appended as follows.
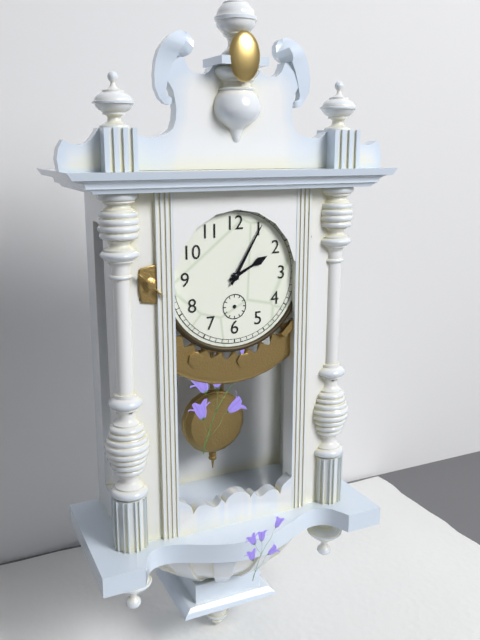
2:05
